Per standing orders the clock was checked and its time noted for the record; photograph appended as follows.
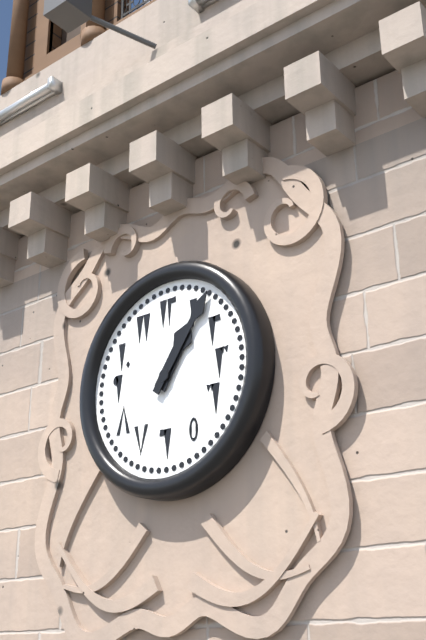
1:06
